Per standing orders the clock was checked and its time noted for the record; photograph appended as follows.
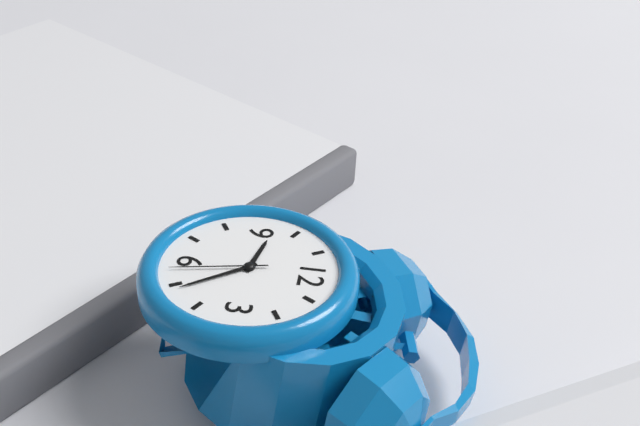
9:24:28
